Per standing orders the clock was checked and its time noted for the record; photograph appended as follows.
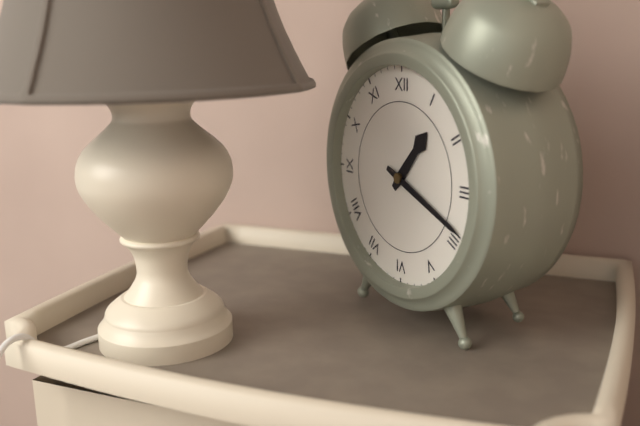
1:19
